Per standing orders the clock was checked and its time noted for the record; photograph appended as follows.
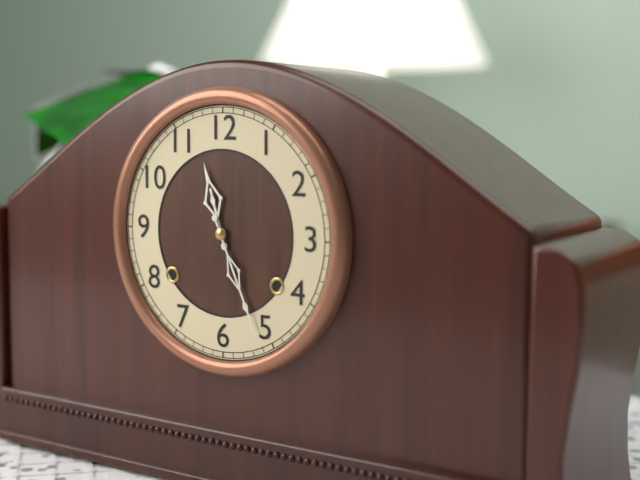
11:26
